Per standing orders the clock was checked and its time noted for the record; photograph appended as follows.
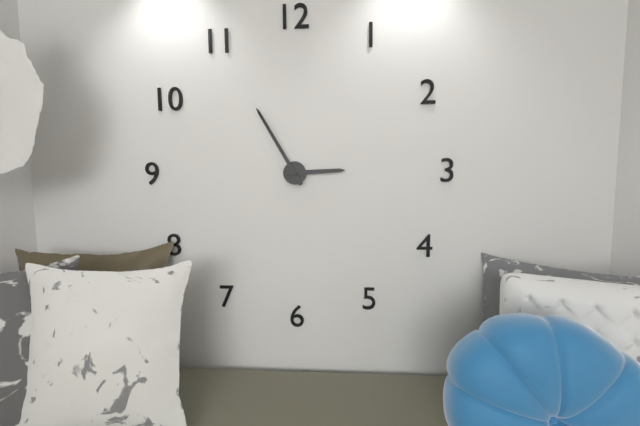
2:55
